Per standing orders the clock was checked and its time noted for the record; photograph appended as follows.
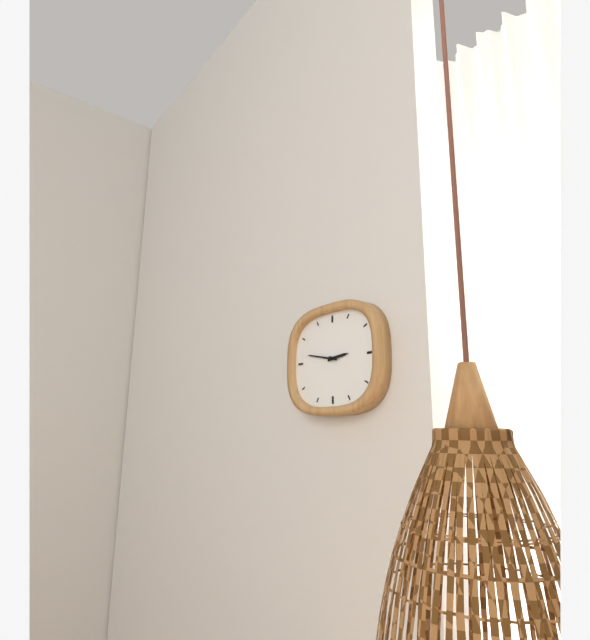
2:47
